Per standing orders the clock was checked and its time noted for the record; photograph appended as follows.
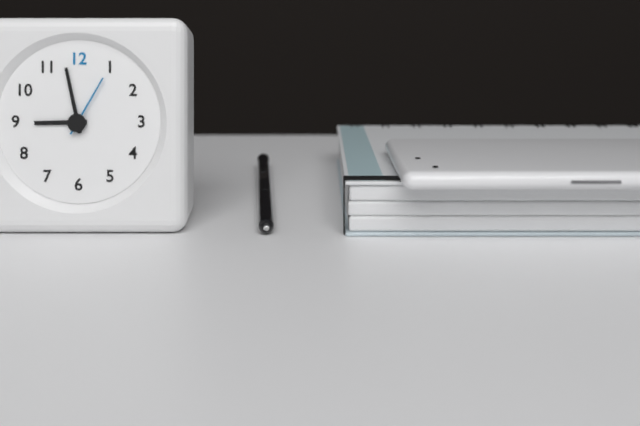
8:58:05
